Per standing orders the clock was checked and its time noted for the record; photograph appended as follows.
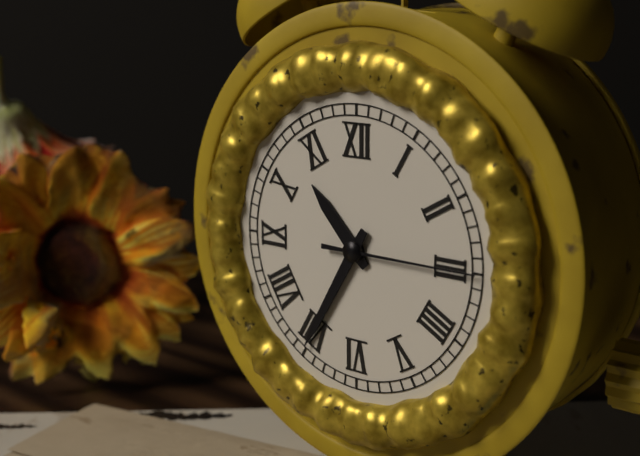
10:35:15
